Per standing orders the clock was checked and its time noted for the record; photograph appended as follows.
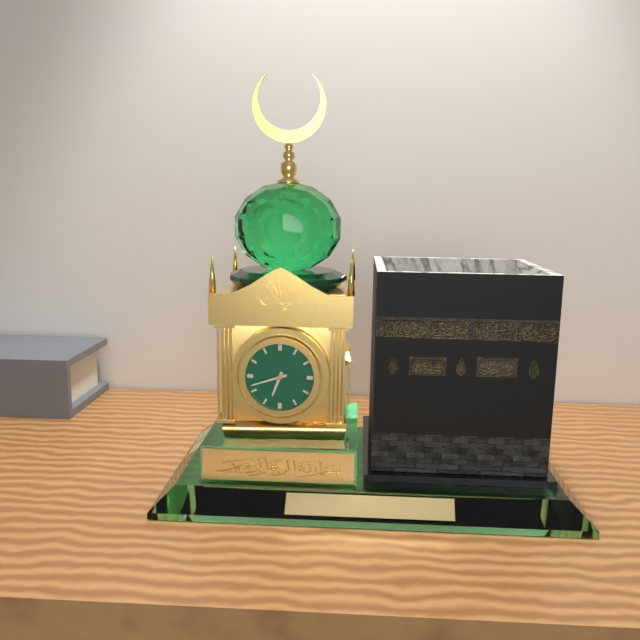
6:42
